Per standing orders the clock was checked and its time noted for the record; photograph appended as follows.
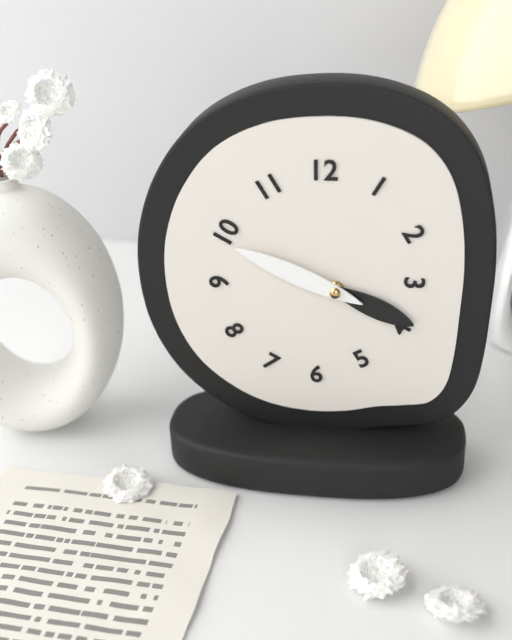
3:49
